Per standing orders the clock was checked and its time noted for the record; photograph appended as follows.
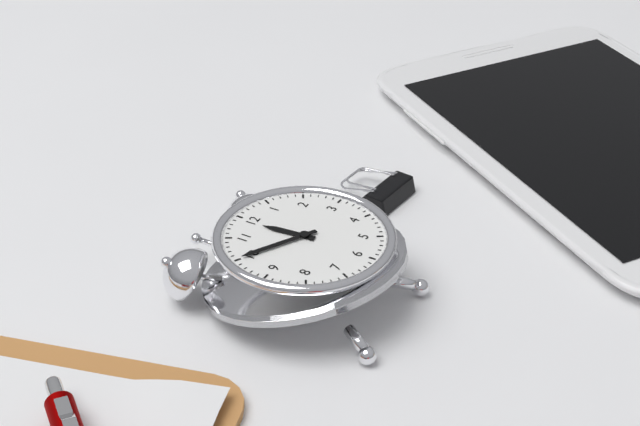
11:50
